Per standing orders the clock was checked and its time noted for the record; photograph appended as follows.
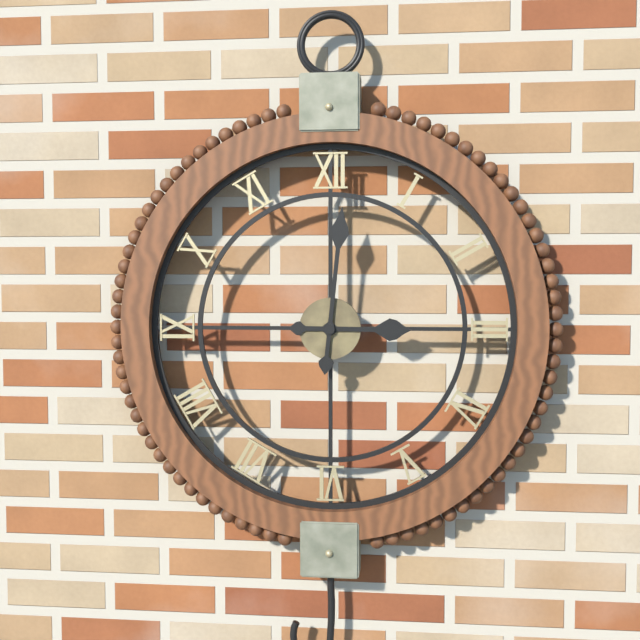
3:01
